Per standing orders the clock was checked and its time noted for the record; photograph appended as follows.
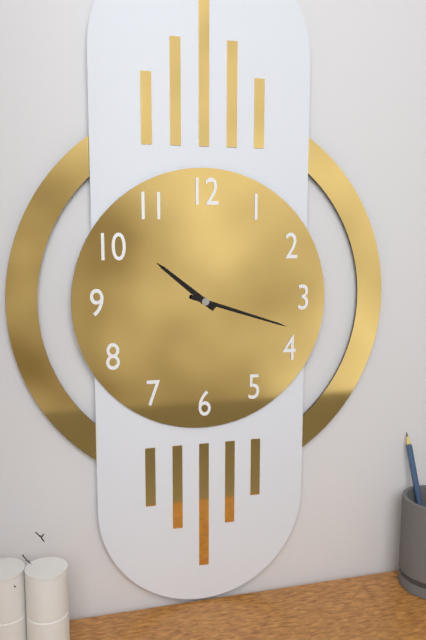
10:18
